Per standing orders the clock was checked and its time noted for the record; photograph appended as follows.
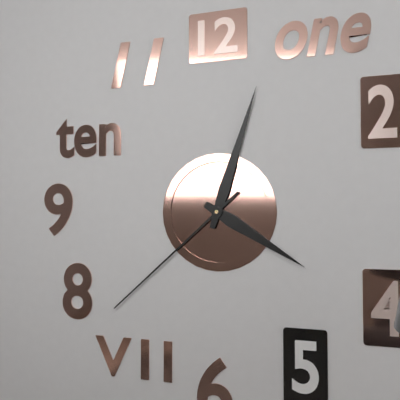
4:03:38
